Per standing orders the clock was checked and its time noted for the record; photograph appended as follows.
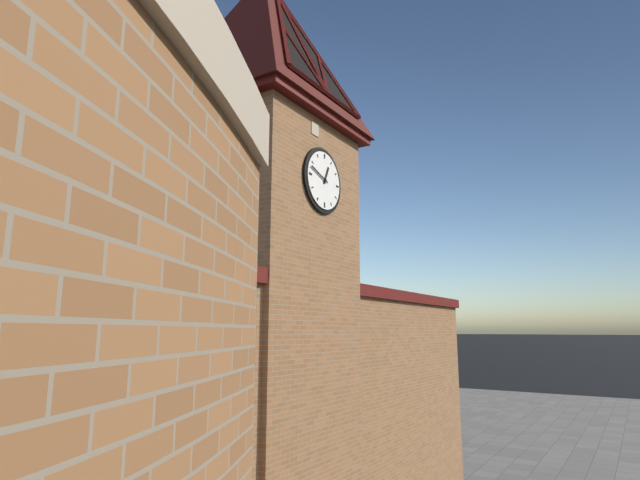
12:48
